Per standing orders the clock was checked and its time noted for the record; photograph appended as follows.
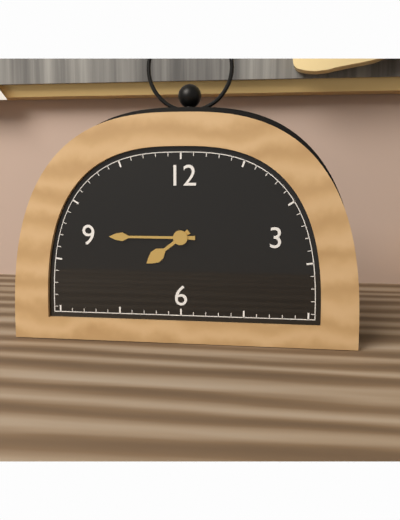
7:45
